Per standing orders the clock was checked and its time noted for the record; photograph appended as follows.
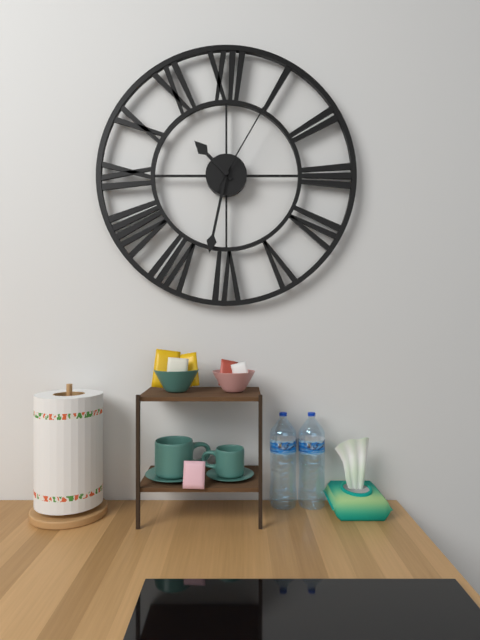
10:32:05
